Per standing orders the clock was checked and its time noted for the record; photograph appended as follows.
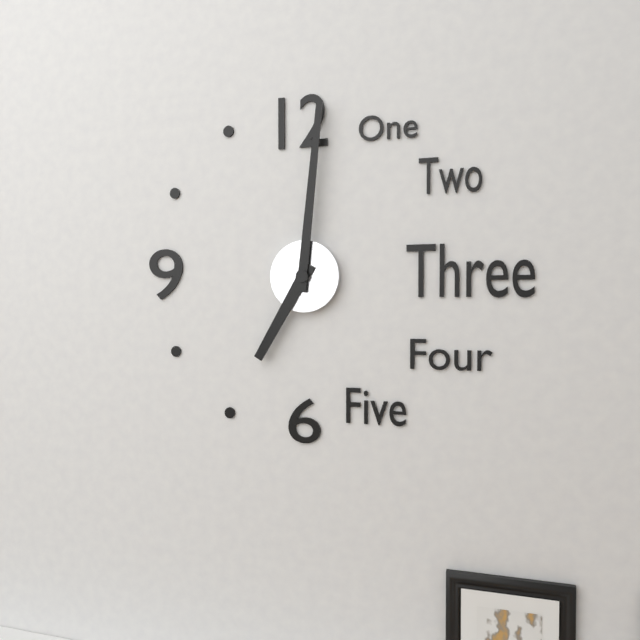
7:01
